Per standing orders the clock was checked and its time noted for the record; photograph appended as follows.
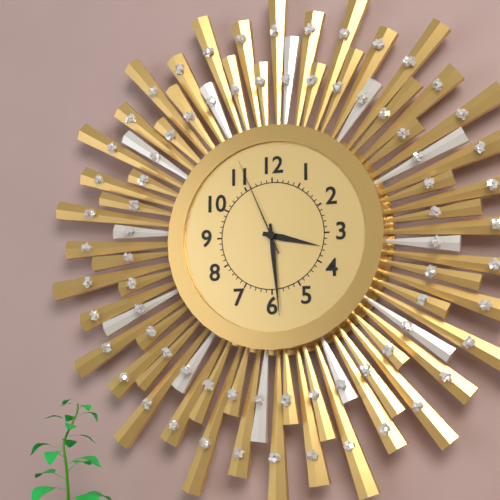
3:29:56
